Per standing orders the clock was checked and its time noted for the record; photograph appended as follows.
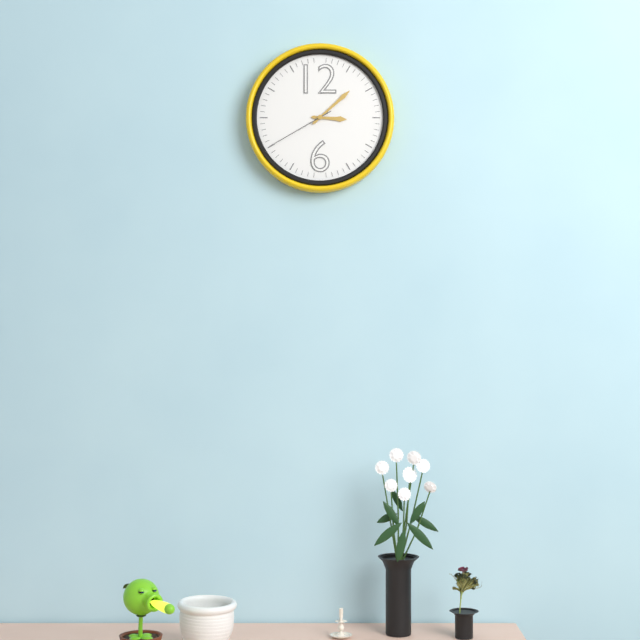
3:08:40
